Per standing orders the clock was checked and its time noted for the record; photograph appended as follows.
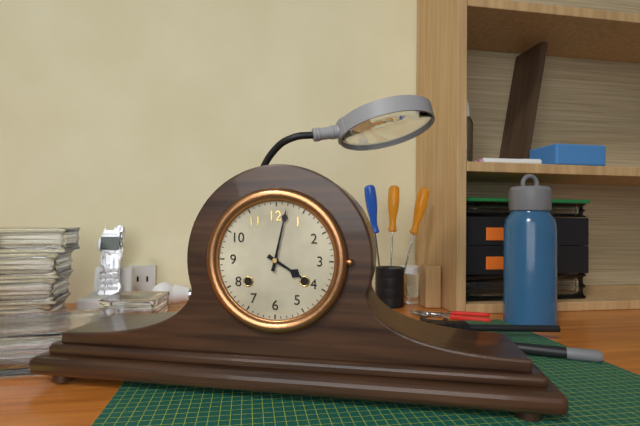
4:02
